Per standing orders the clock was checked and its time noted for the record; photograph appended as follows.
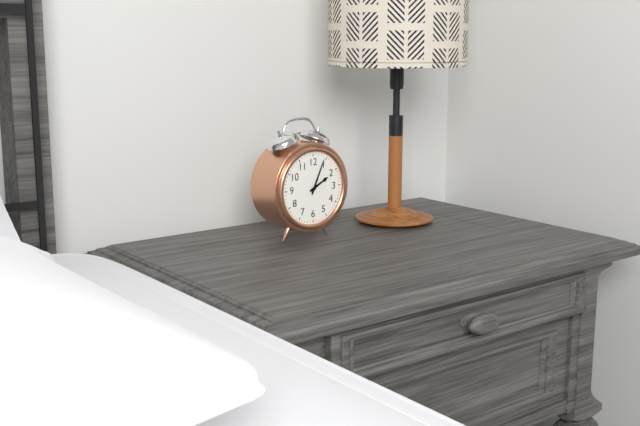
2:04
